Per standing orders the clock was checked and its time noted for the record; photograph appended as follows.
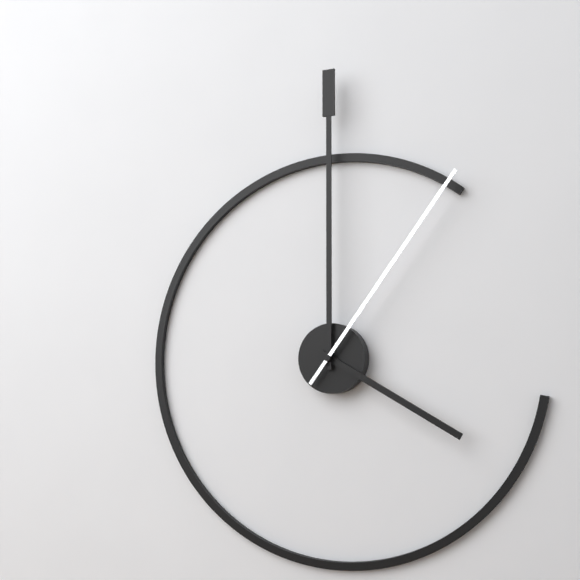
4:00:06
